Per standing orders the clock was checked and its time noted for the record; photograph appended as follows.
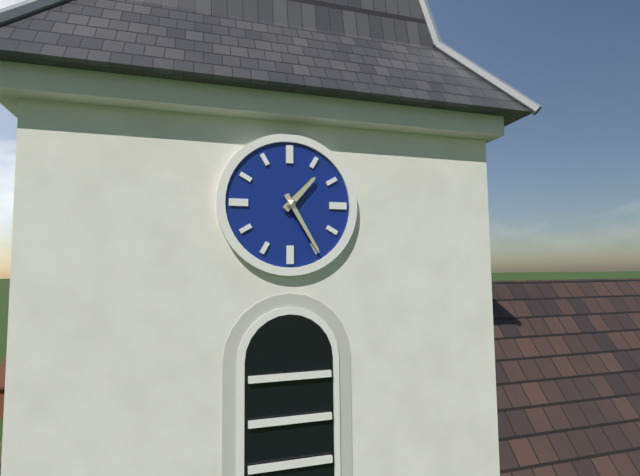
1:25
